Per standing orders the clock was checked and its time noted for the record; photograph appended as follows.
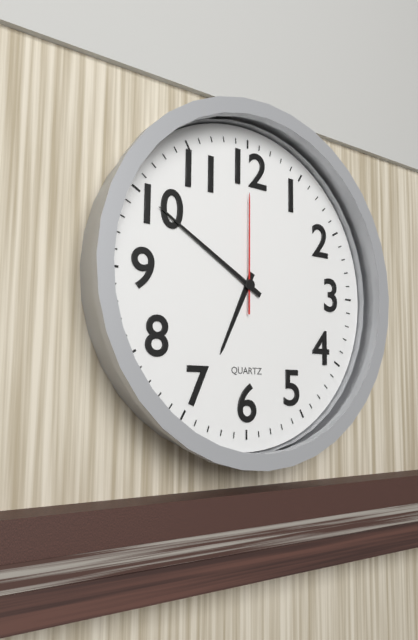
6:50:00
